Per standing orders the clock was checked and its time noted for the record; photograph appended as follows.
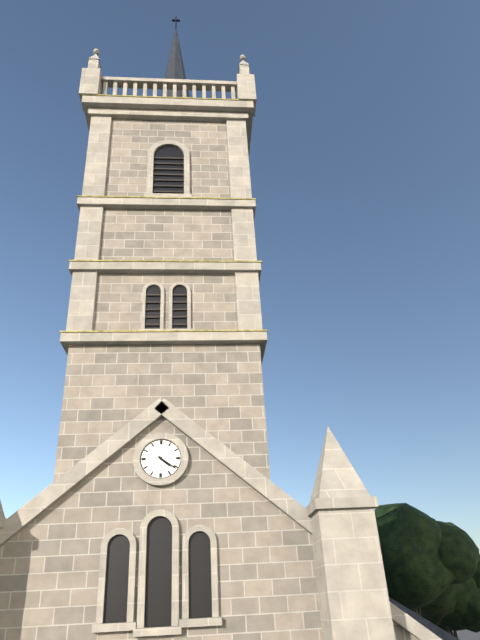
4:21
